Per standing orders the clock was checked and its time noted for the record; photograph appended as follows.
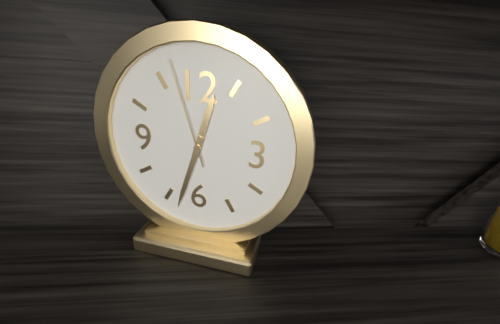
12:33:57
